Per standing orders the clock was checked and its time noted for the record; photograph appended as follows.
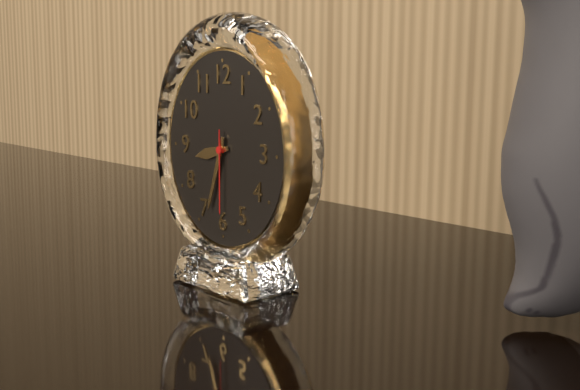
8:33:30
